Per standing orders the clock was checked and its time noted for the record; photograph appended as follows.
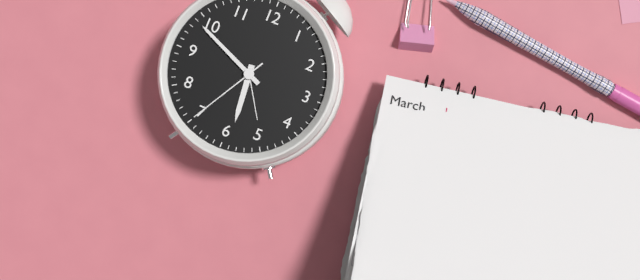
5:49:35
